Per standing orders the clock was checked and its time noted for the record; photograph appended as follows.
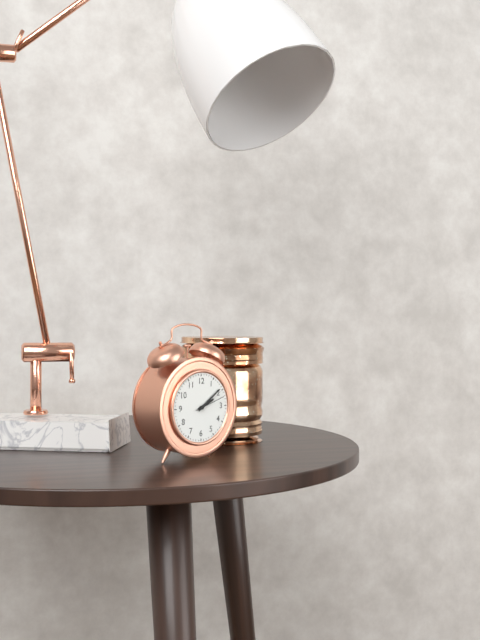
2:09
